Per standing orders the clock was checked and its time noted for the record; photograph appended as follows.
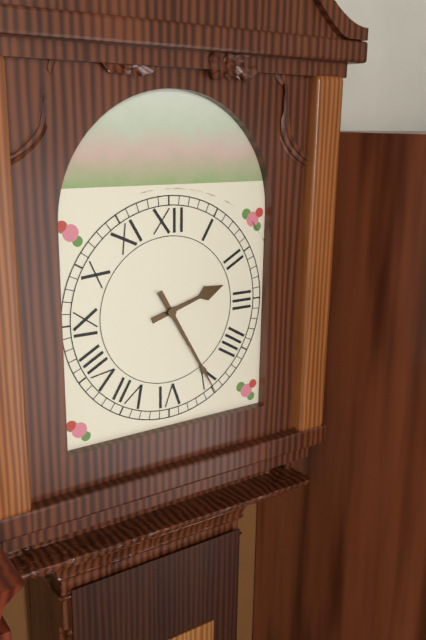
2:25
